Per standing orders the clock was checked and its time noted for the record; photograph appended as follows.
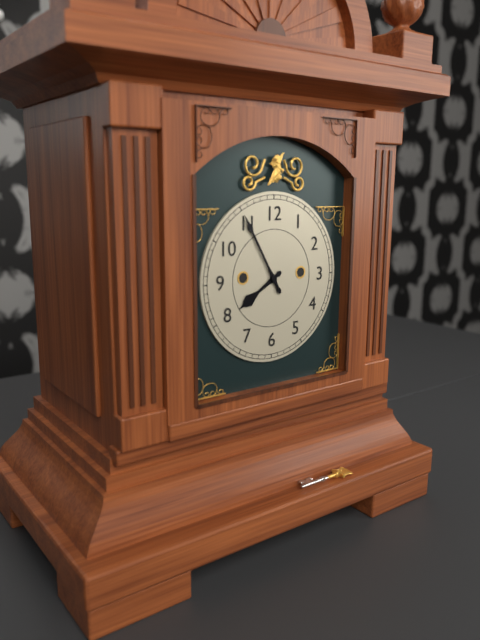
7:55
